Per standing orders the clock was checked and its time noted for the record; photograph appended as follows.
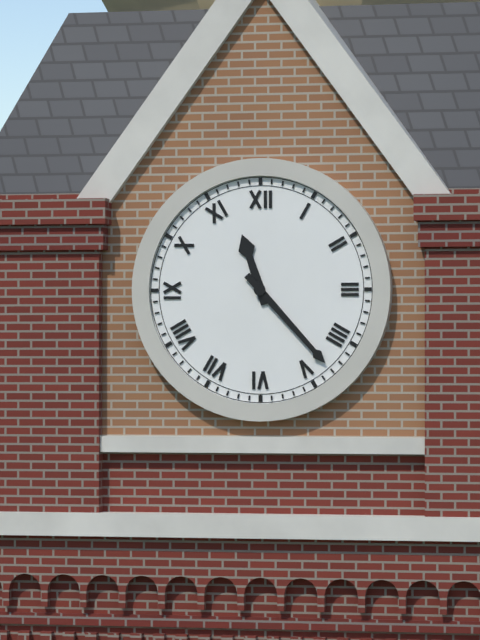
11:23
